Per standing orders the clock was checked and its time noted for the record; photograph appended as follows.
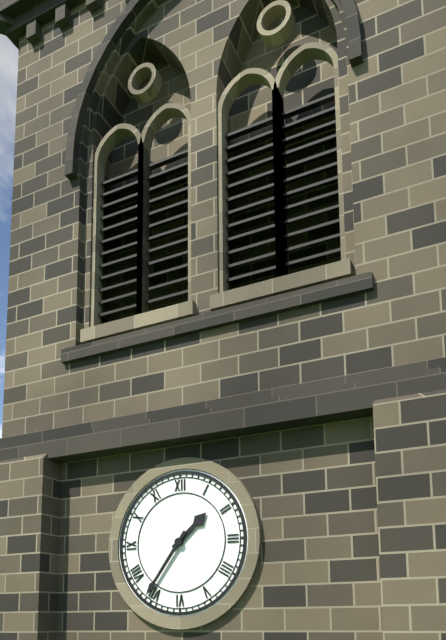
1:36
